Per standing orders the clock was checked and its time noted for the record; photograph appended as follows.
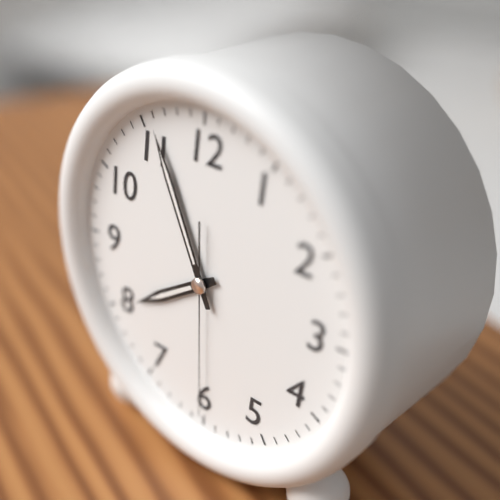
7:56:30
